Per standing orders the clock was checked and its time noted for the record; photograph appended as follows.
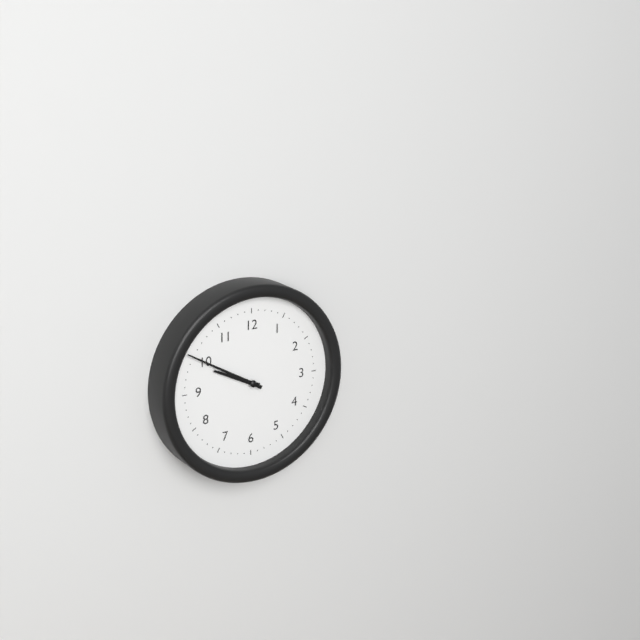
9:50
